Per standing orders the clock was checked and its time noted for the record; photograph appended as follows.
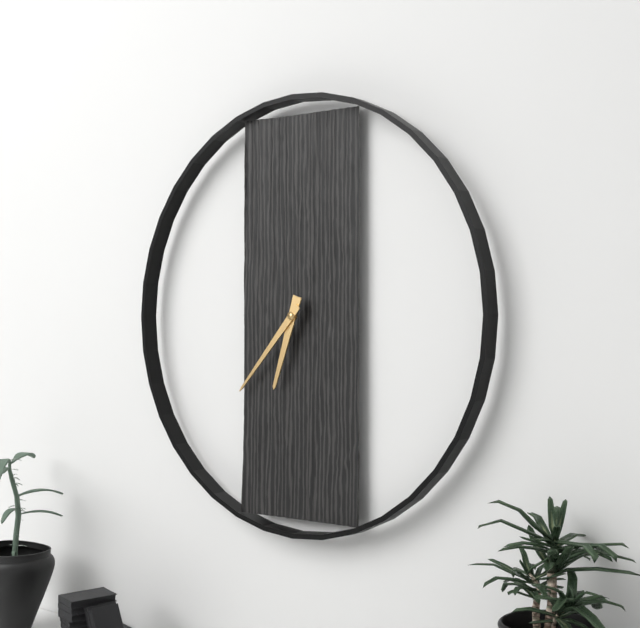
6:37
